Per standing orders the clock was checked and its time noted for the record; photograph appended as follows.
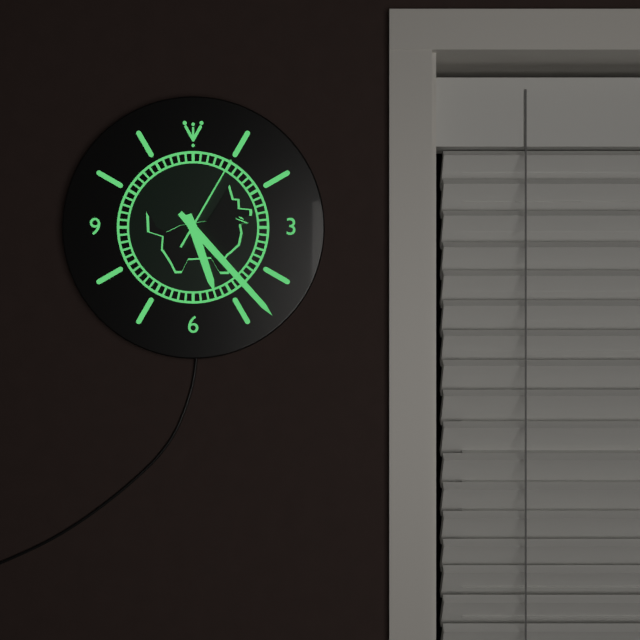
5:23:05
